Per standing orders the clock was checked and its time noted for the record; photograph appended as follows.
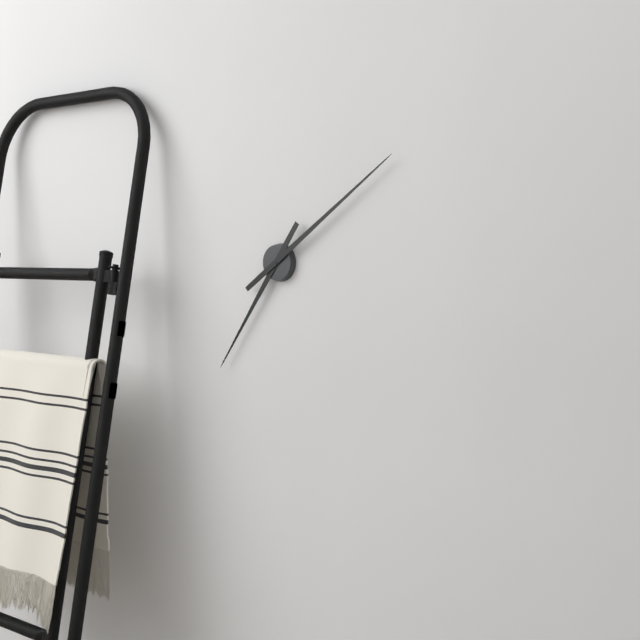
7:09
